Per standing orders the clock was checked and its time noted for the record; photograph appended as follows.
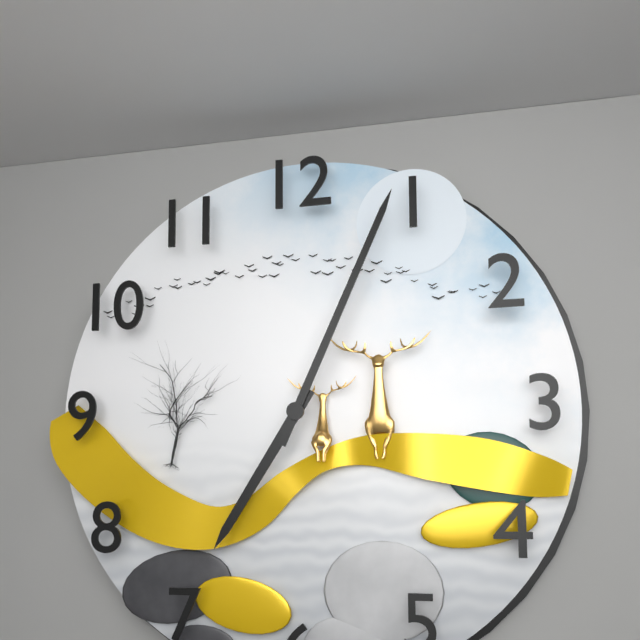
7:04
